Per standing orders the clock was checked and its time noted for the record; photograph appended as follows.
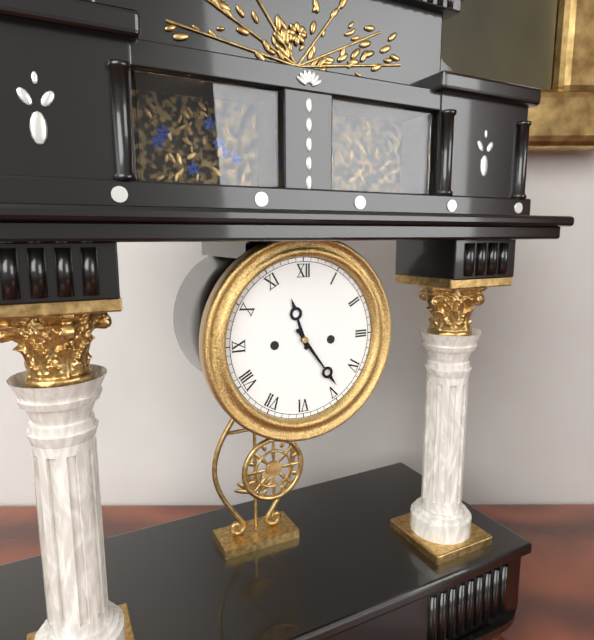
11:24
